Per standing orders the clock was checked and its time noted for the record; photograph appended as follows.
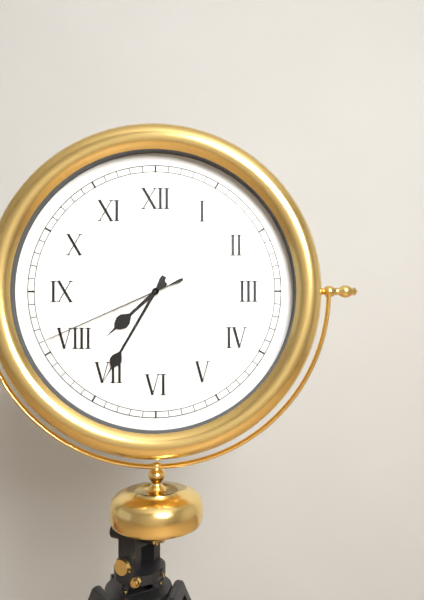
7:35:41
